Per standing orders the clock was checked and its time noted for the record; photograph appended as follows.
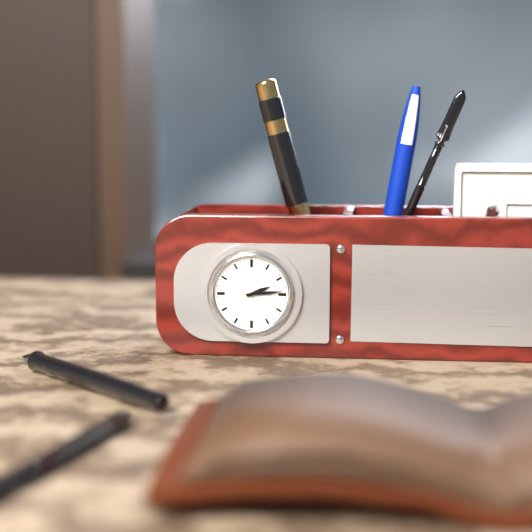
2:14
